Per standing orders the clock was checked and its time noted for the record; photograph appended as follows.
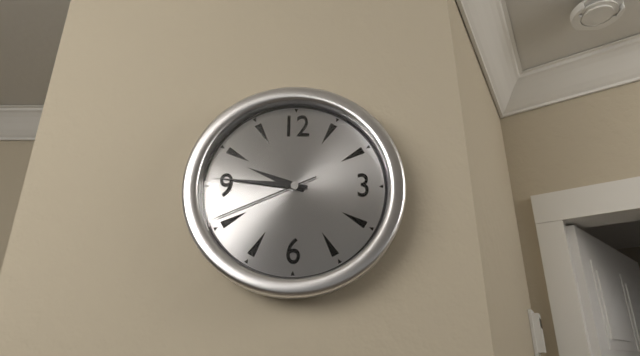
9:46:41
